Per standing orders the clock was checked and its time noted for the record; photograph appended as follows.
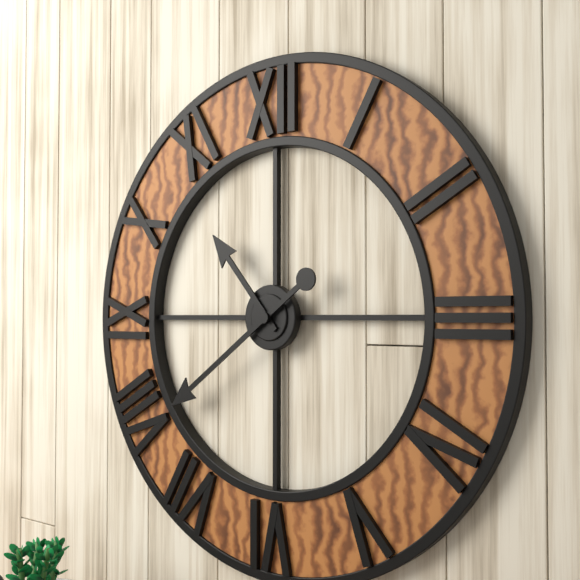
10:39
